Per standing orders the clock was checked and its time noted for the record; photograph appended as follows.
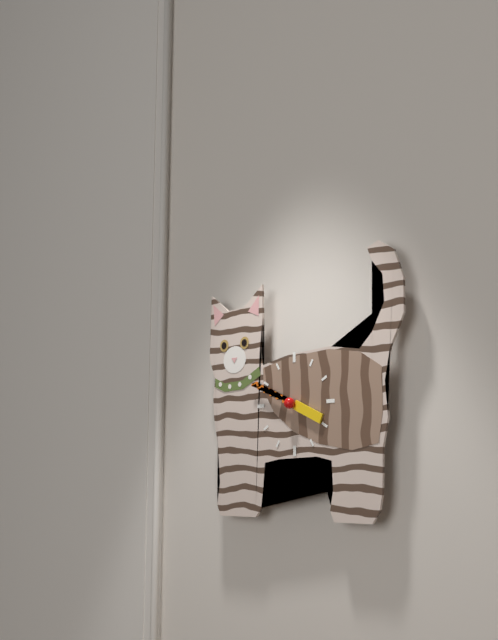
3:49
